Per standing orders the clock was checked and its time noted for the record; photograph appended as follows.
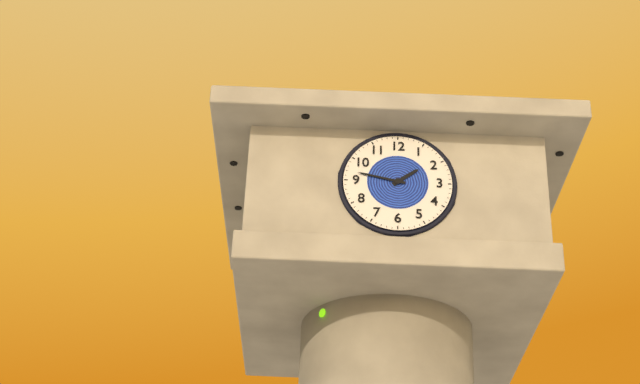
1:47
